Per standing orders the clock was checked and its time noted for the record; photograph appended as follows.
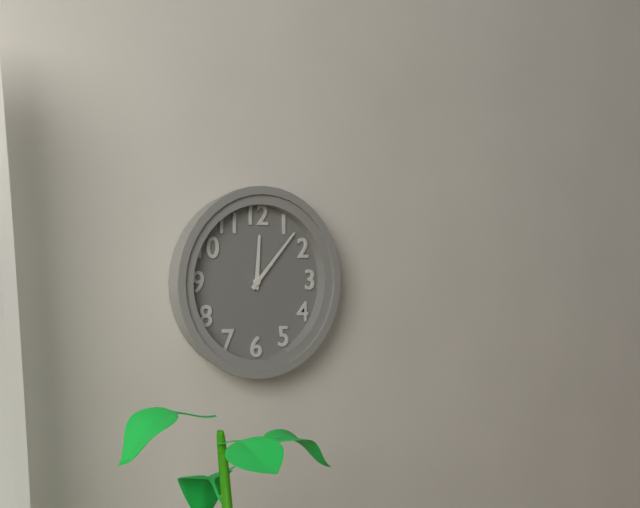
12:07
